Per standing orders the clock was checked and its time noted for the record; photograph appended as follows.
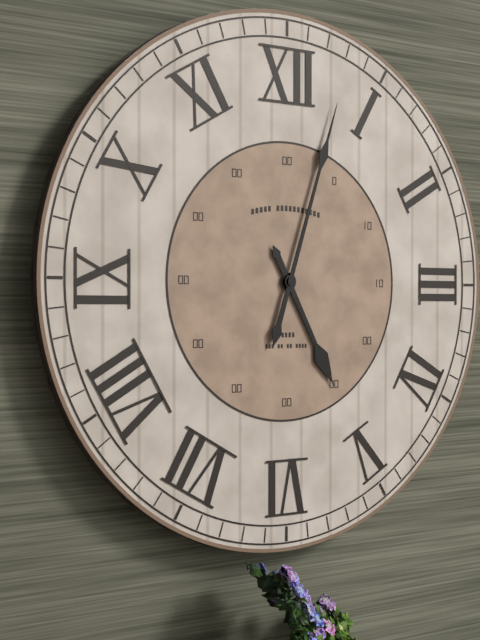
5:03
